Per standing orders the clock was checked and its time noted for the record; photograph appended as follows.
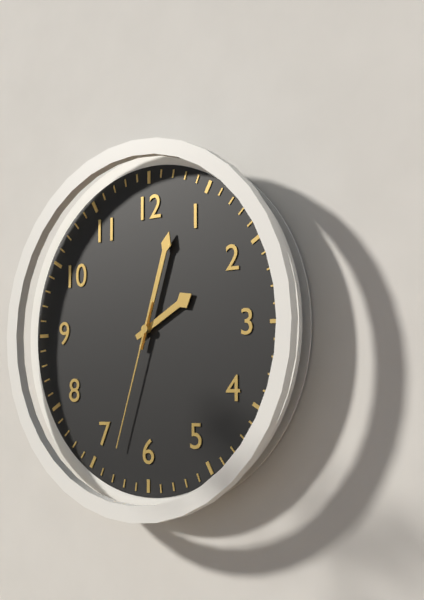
2:03:33
